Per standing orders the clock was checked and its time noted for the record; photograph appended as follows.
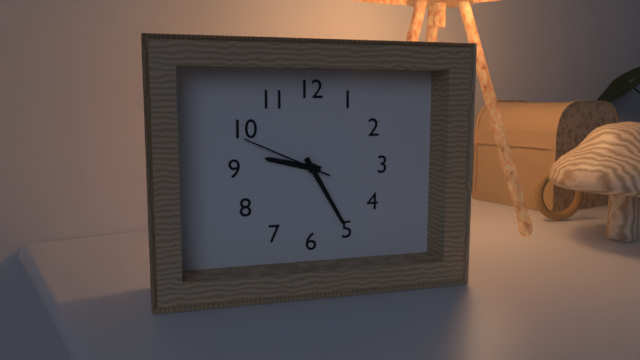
9:25:49
